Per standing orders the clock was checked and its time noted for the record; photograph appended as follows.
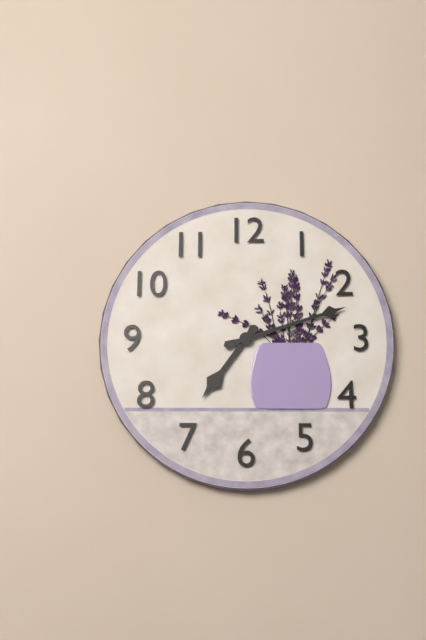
7:12
